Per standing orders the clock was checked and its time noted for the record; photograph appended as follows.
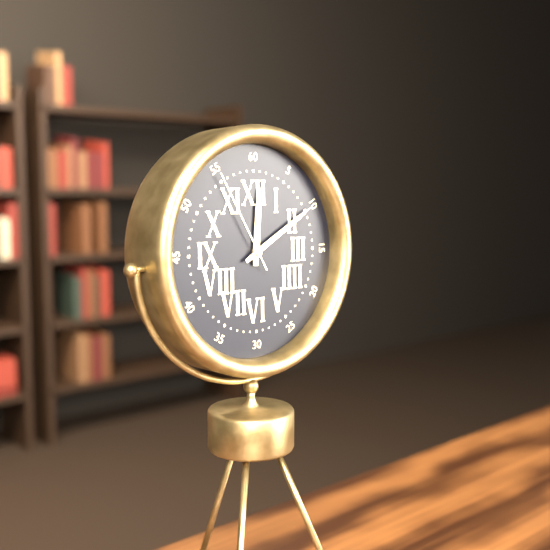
12:10:55
